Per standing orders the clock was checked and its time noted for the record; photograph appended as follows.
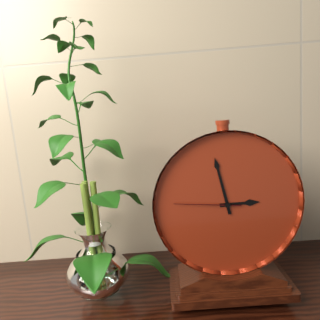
2:58:46
